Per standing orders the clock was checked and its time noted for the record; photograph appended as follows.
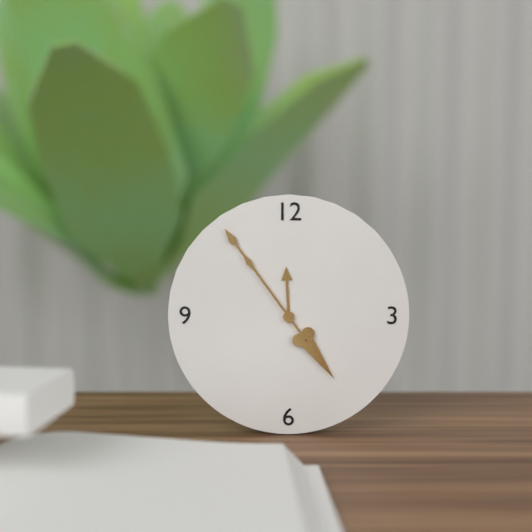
11:54
